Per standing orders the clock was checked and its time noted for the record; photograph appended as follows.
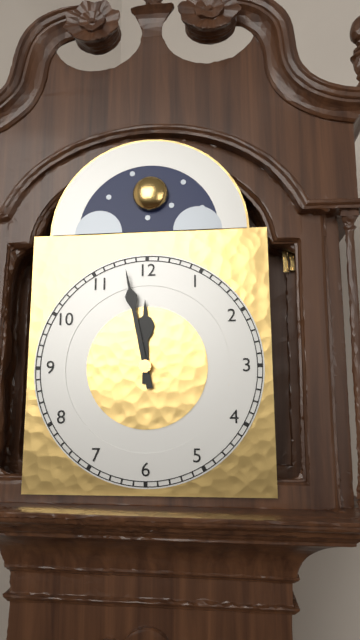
11:58
